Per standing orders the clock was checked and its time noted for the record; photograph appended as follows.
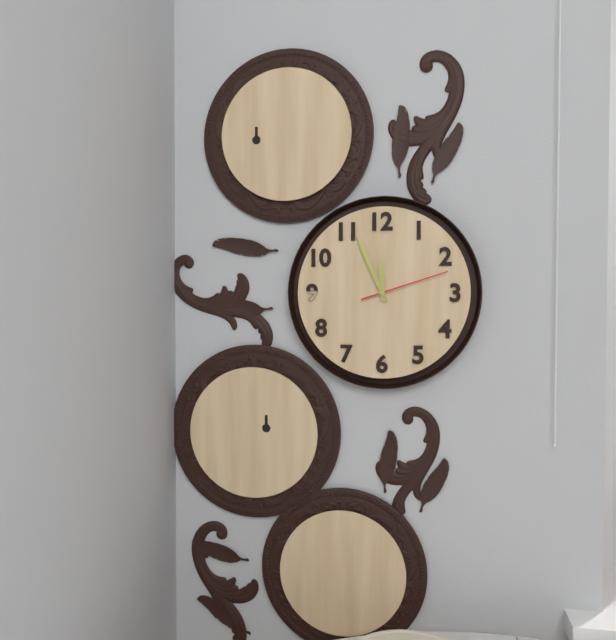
11:56:12
